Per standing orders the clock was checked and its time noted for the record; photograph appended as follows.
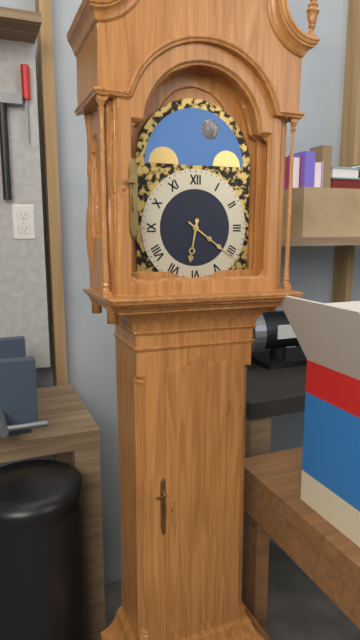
6:21
